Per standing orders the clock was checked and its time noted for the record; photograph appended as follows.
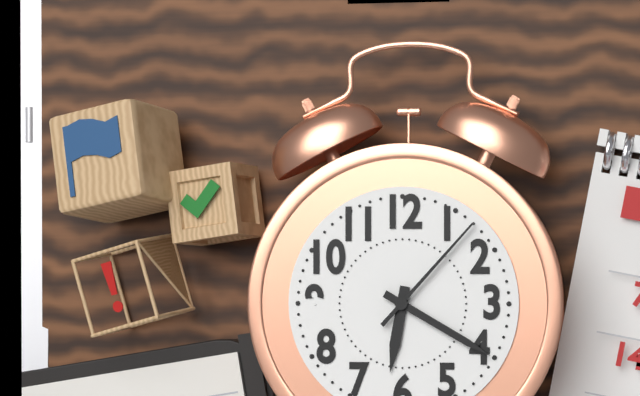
6:20:07
